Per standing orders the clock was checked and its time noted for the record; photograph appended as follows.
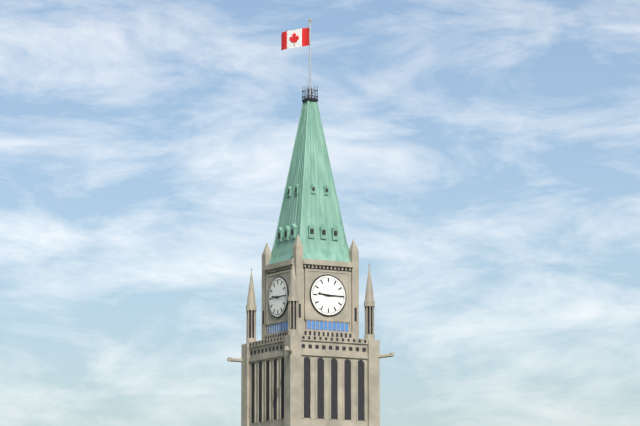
9:15
